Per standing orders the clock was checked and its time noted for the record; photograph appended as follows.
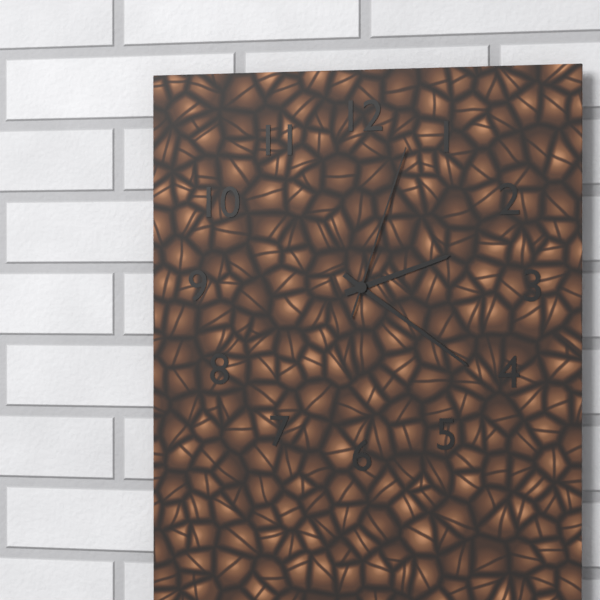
2:21:03
